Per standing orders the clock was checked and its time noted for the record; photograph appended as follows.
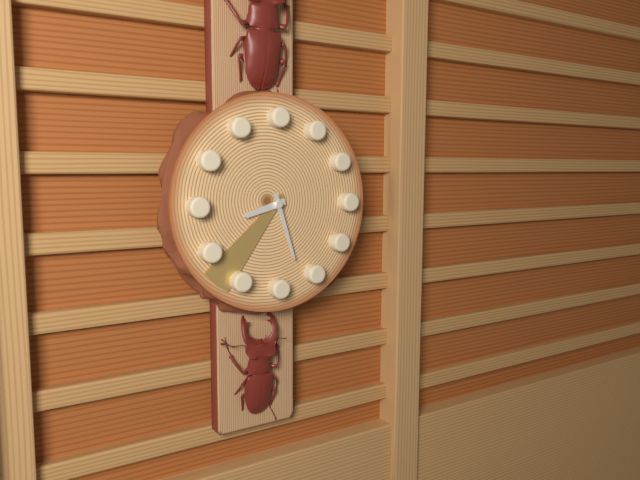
8:27:37
